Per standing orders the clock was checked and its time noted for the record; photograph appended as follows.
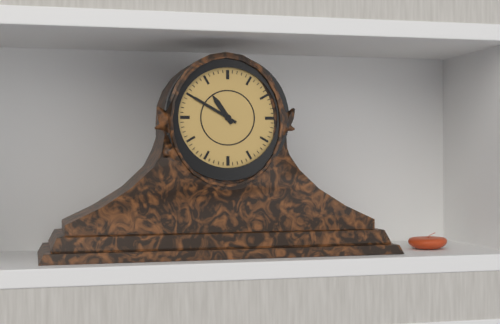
10:50
